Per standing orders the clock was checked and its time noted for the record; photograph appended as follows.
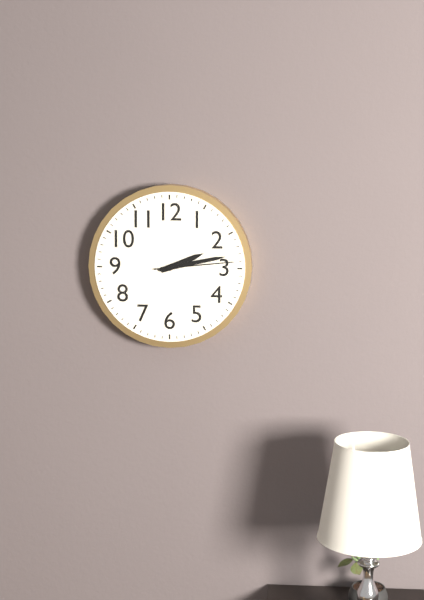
2:13:14
